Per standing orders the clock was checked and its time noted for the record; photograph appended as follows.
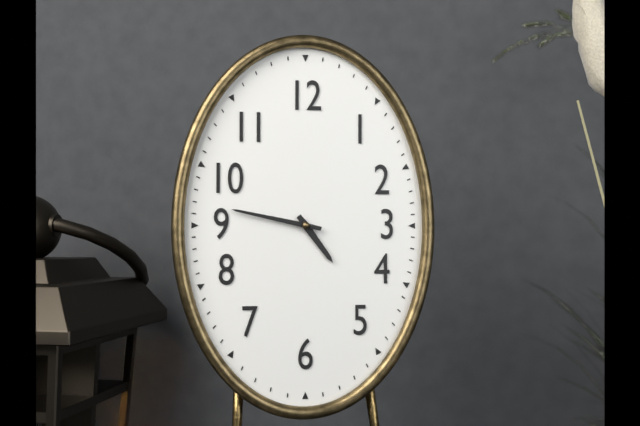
4:47
